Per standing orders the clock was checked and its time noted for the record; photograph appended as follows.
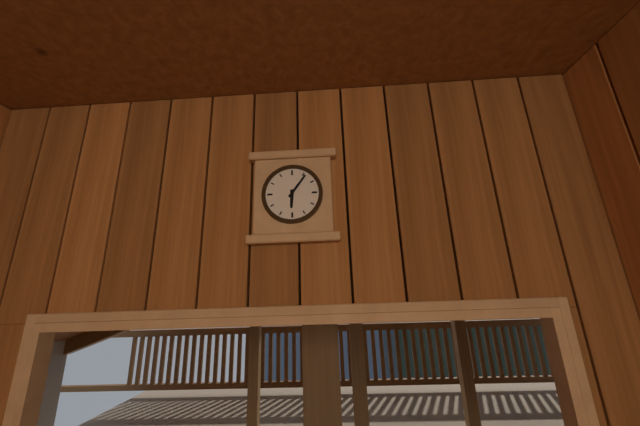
6:06
